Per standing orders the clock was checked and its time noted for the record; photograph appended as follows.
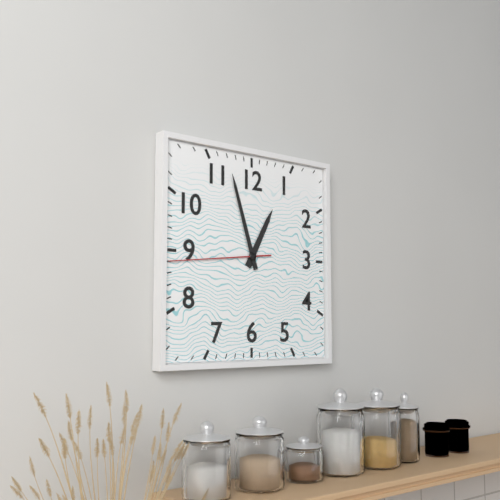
12:57:44
